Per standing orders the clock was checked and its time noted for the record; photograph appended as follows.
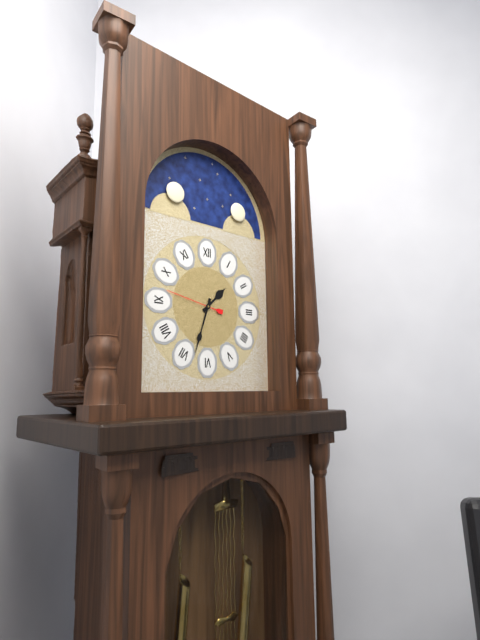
1:33:47
